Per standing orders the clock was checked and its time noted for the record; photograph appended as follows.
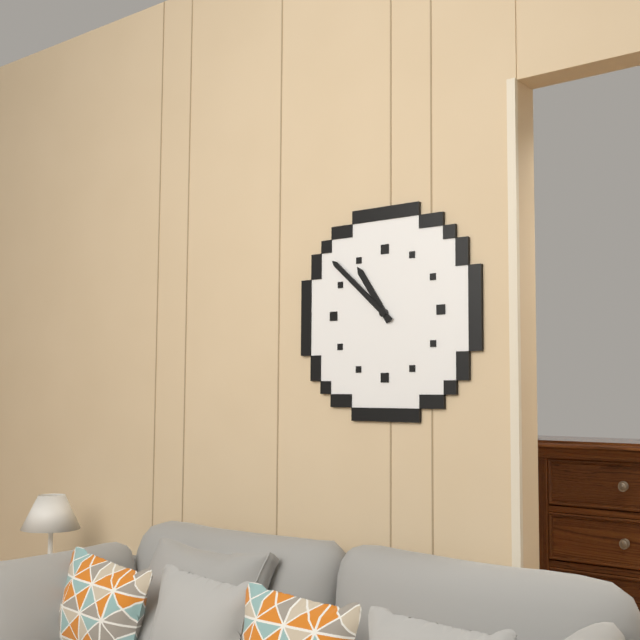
10:52
